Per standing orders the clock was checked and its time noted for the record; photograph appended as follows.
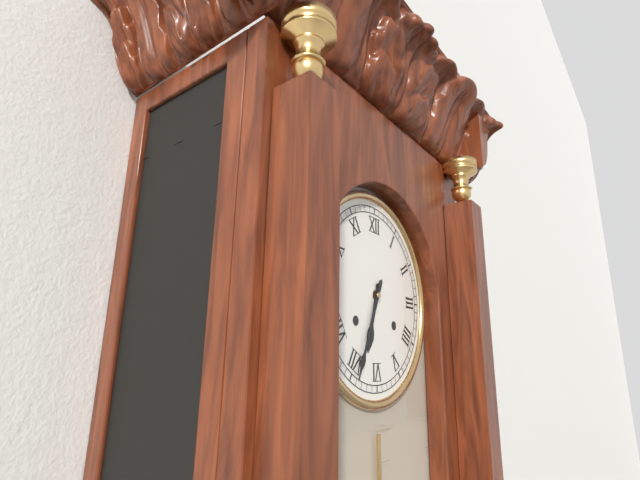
6:34
